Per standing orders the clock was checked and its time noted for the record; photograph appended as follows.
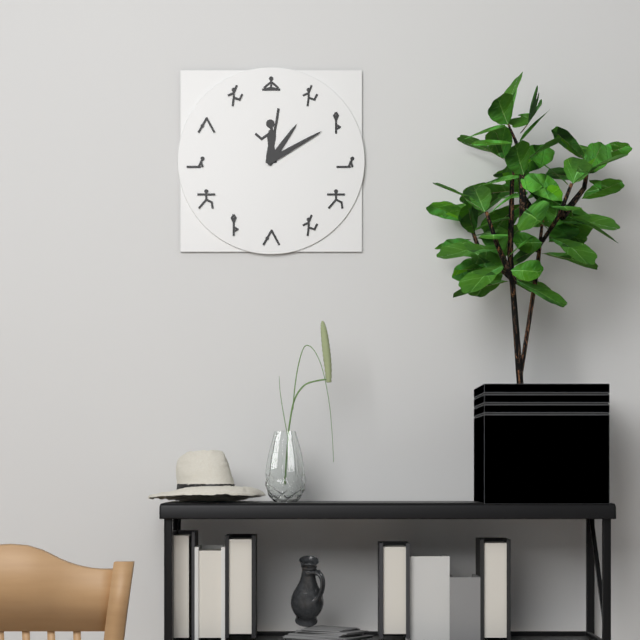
1:10
